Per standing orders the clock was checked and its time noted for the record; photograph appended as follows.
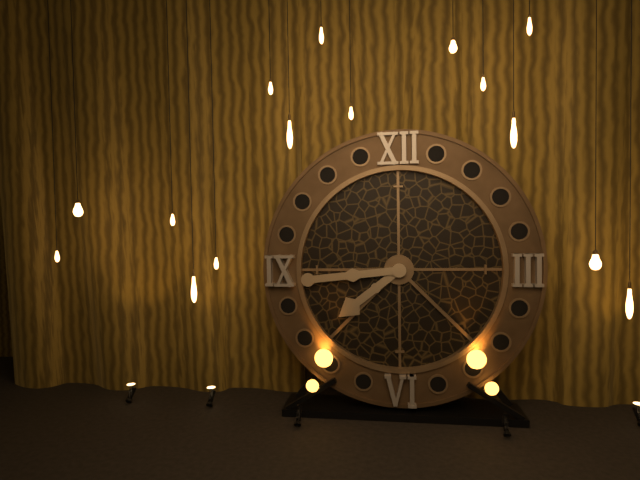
7:44
